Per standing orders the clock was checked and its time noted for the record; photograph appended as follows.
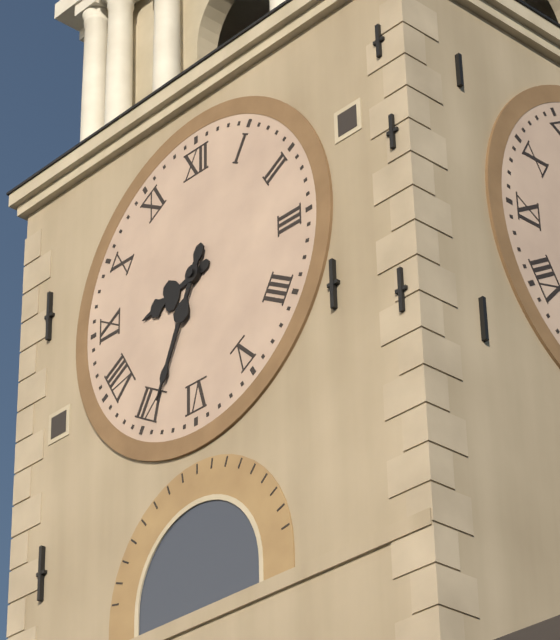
8:34
